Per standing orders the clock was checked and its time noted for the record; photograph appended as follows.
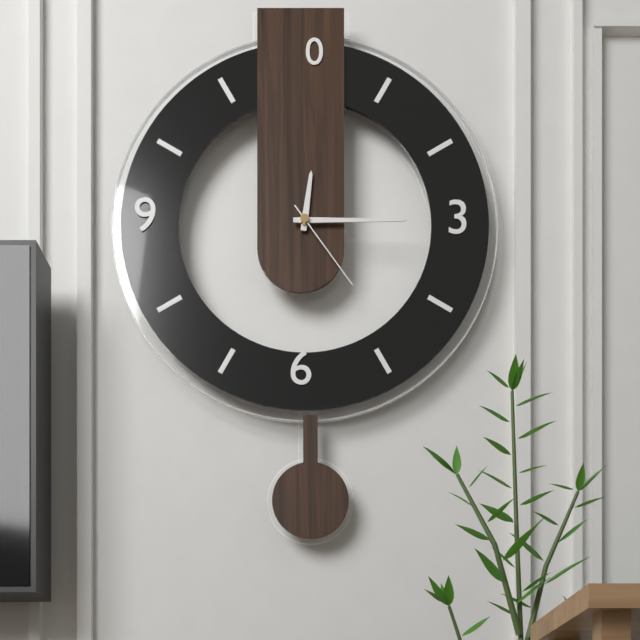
12:15:24
